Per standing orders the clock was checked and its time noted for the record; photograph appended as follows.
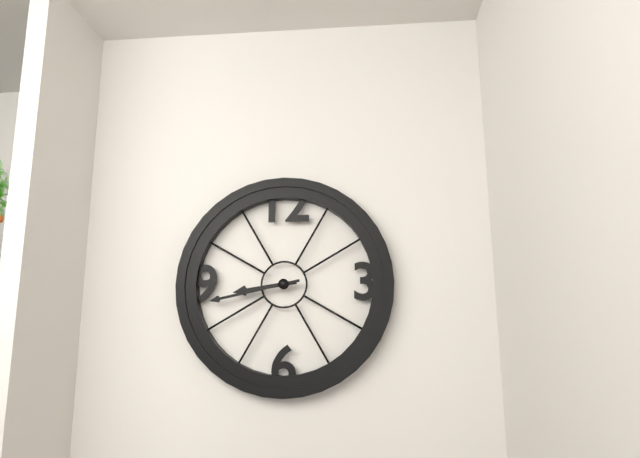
8:43
